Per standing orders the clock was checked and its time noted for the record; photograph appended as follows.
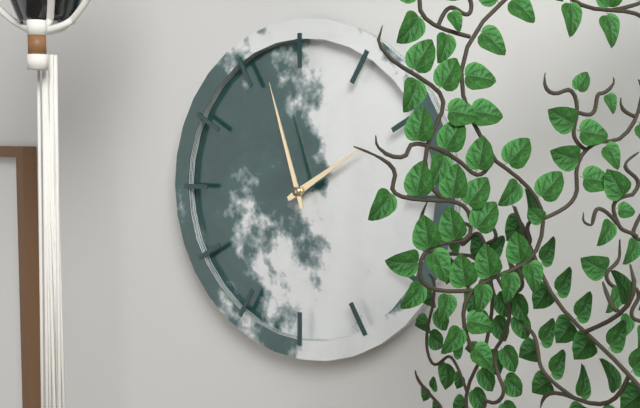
1:57
